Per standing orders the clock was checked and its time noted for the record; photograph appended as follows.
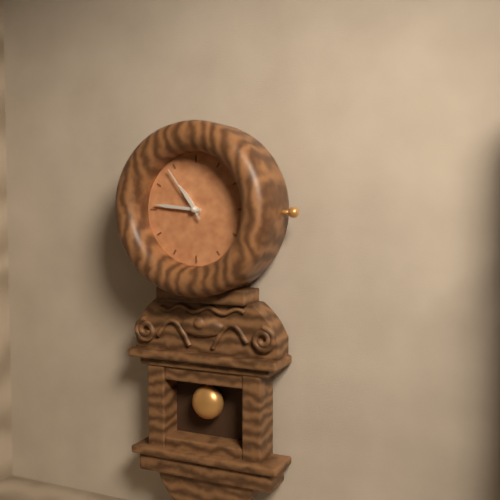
10:46:54
